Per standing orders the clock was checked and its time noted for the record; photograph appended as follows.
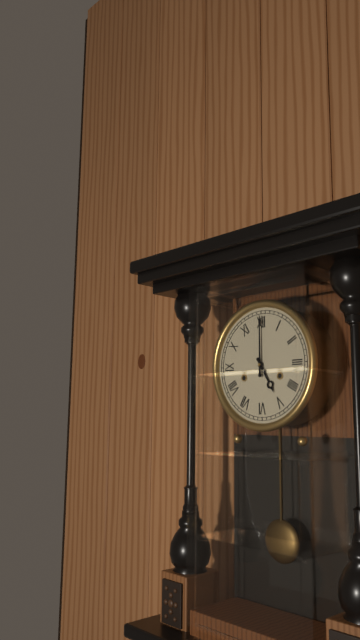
5:00
